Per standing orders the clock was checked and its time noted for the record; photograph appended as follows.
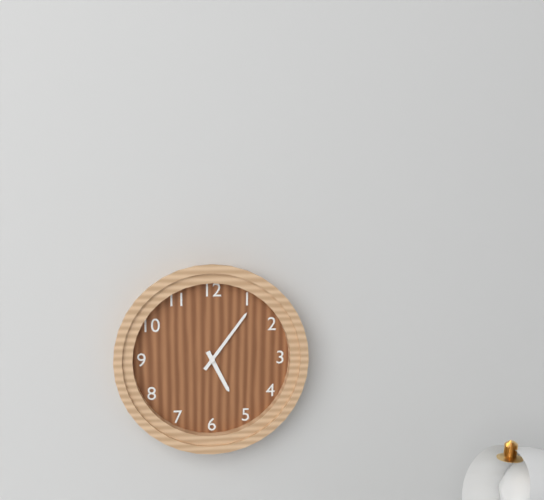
5:06
